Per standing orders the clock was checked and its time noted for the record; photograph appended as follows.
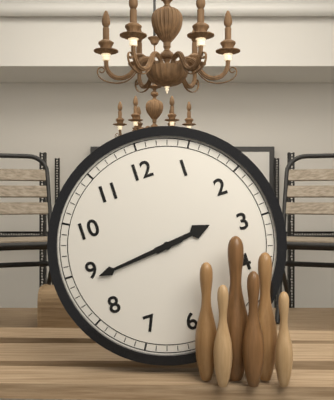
2:44
